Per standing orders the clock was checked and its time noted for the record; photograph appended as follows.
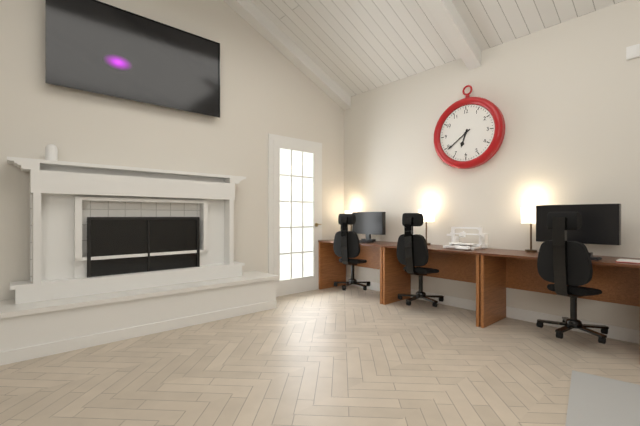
6:39
